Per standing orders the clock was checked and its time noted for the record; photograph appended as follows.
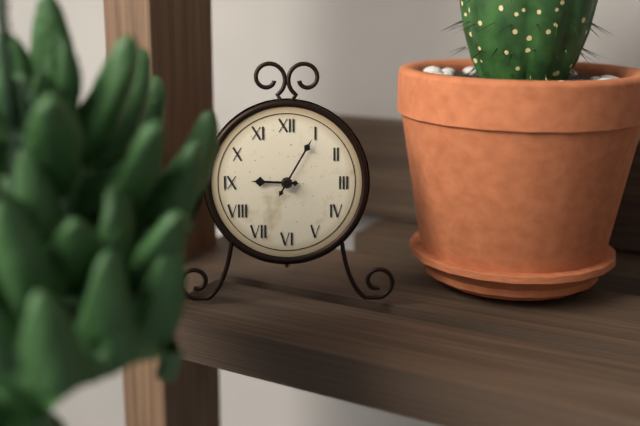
9:05
